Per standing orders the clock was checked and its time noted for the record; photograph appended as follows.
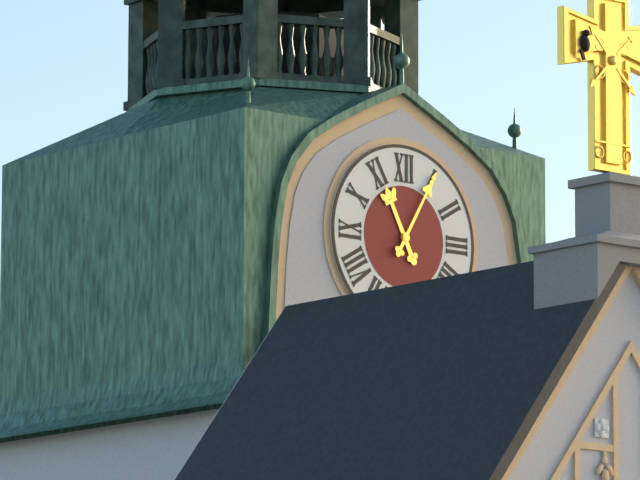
11:05
